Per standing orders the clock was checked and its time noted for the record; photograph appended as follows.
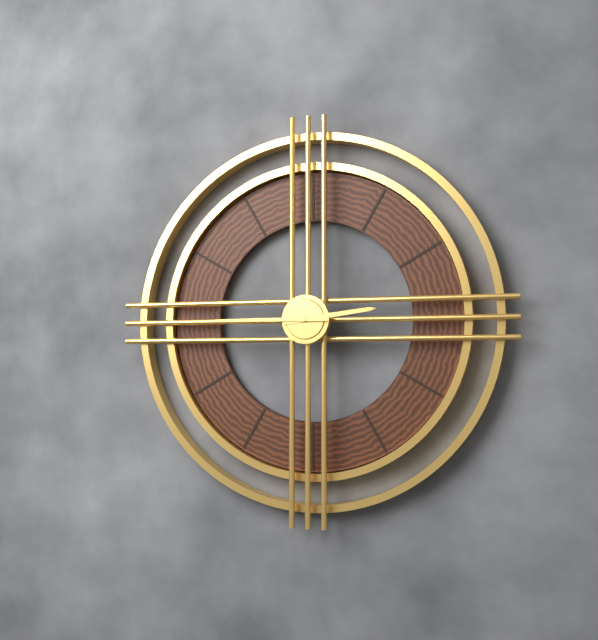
2:45
